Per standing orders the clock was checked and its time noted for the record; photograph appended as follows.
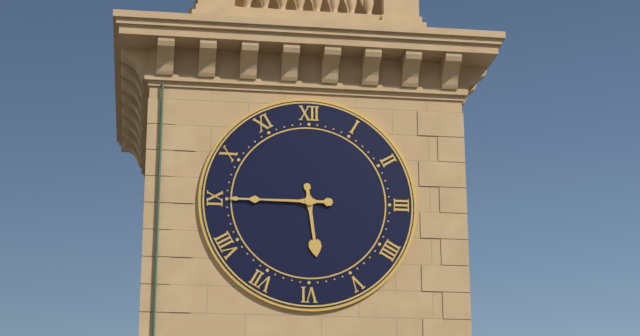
5:45
